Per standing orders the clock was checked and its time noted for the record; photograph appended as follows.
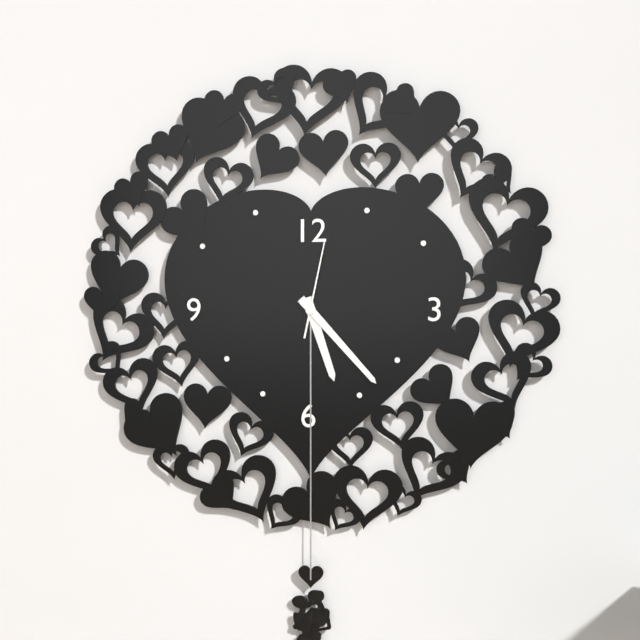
5:23:02
